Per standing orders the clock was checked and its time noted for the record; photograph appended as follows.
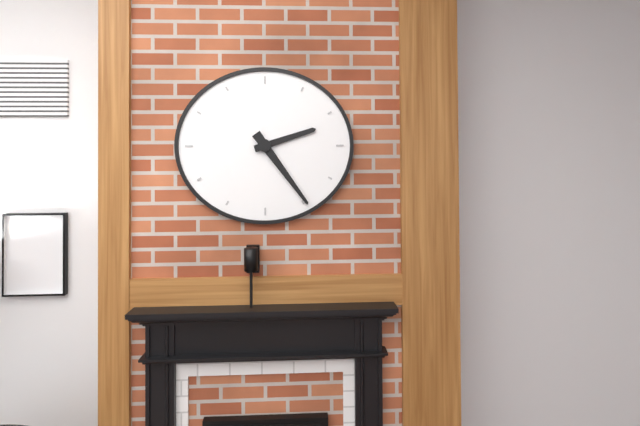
2:24
